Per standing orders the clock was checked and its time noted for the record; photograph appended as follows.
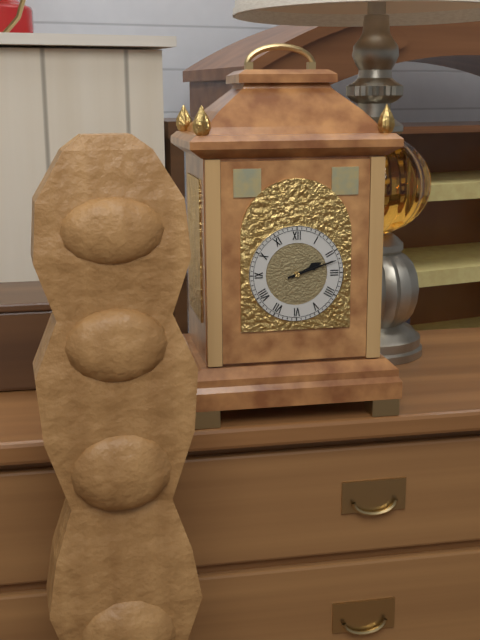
2:12
